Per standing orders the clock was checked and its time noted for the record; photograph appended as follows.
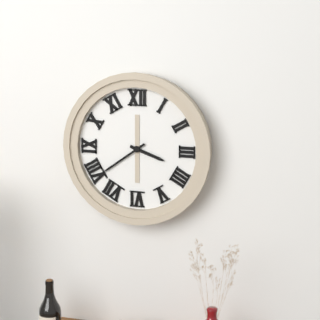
3:39
